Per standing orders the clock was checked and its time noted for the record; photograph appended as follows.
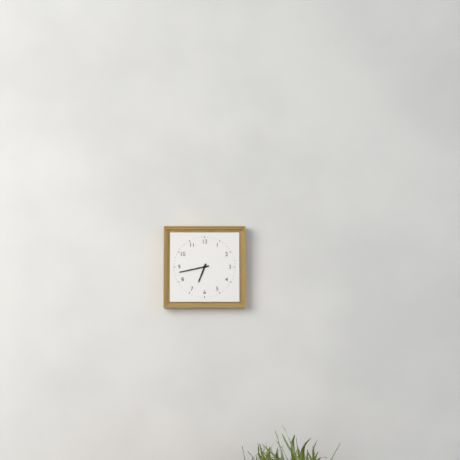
6:43
